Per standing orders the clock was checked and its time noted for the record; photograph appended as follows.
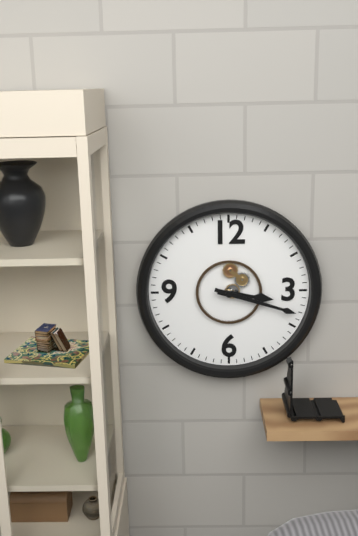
3:18
